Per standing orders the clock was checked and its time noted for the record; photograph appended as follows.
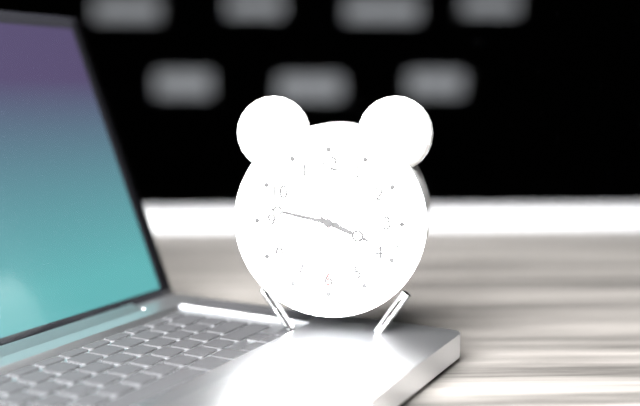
3:47:30
